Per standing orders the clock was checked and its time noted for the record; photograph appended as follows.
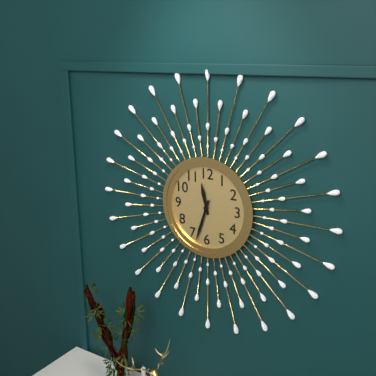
11:33
